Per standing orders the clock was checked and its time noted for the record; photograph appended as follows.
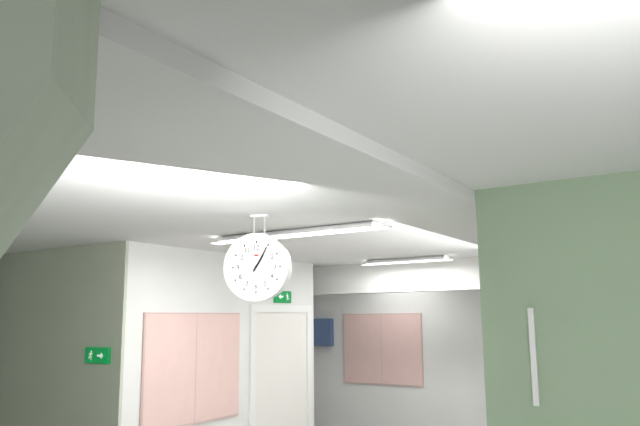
1:05
